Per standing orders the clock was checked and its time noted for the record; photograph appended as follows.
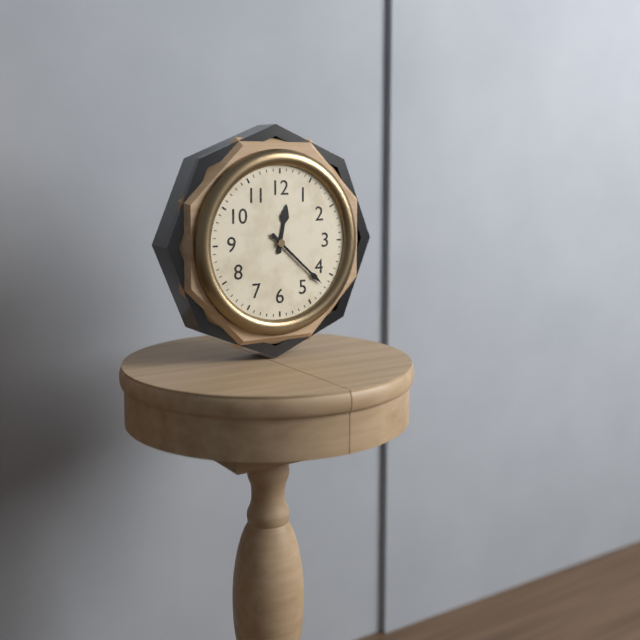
12:22
